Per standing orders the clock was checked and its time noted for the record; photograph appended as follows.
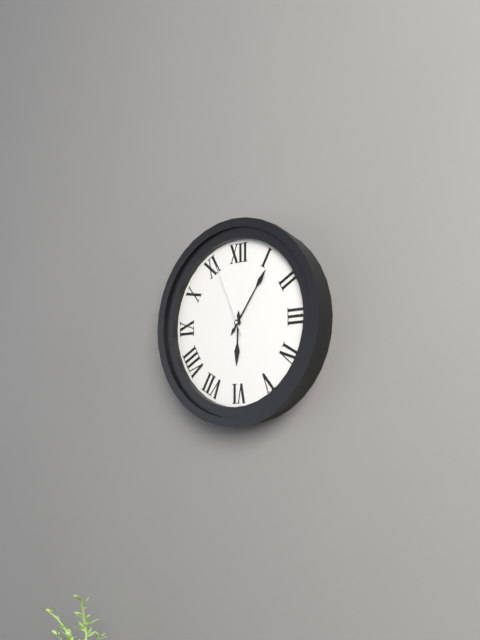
6:06:56
